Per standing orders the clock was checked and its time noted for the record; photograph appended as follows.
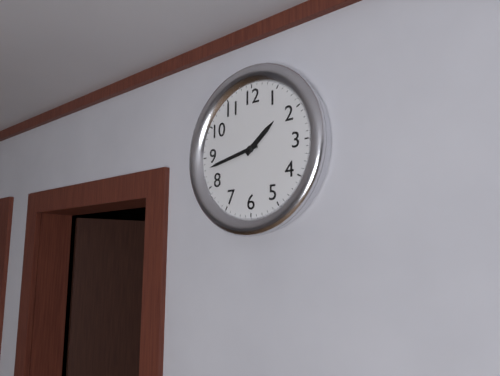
1:43
